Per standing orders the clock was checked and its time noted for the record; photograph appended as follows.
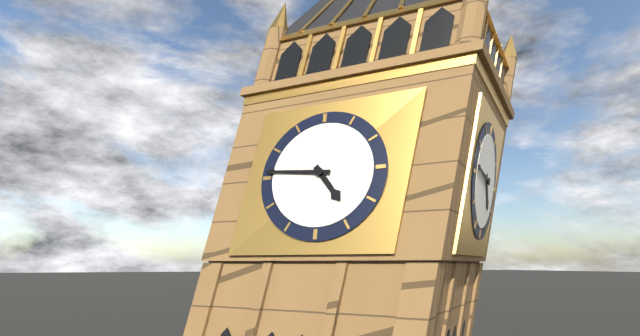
4:46
